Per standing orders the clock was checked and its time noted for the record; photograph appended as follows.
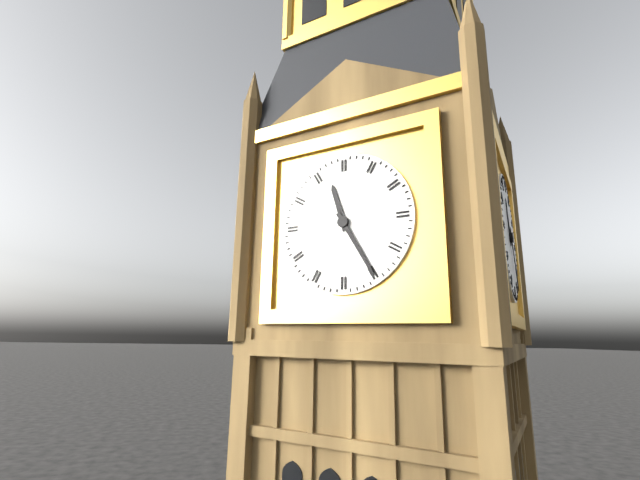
11:25
